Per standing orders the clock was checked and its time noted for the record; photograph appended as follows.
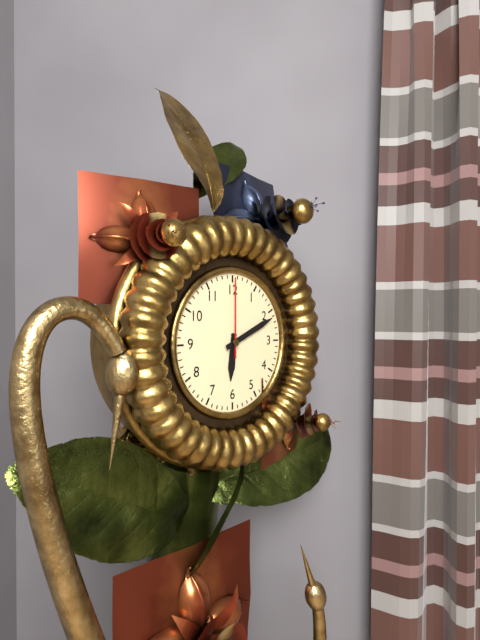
6:11:00
